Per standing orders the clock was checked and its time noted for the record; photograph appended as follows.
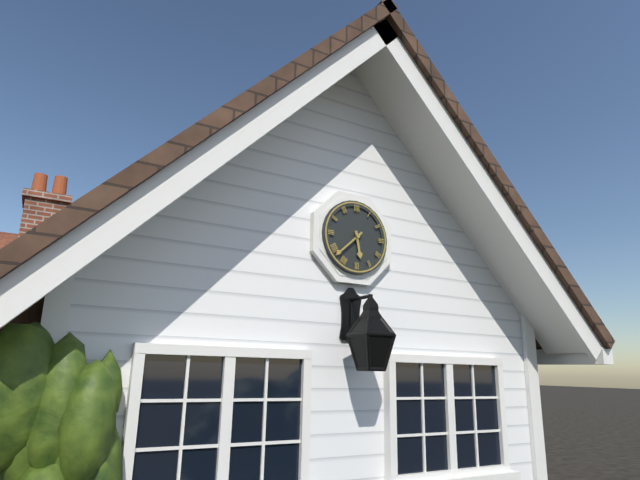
5:38
